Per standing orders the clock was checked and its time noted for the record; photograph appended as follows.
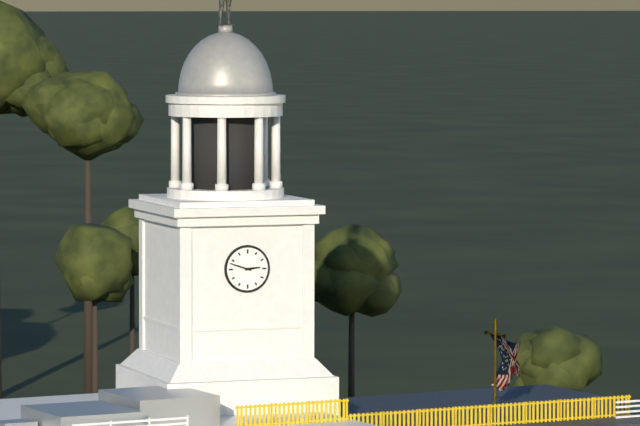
2:48
